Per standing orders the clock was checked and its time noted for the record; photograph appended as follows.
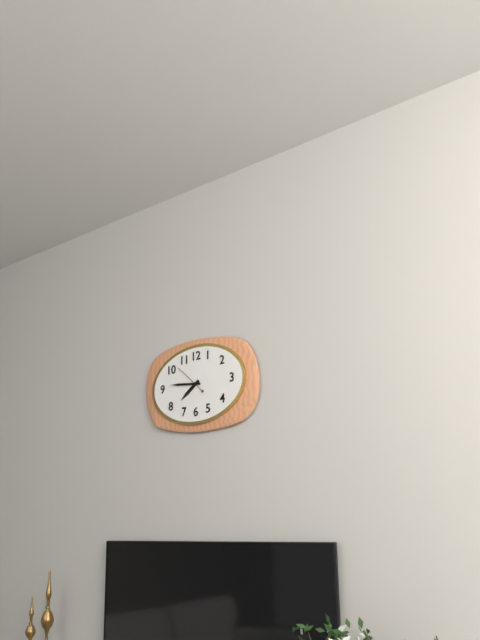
7:46
